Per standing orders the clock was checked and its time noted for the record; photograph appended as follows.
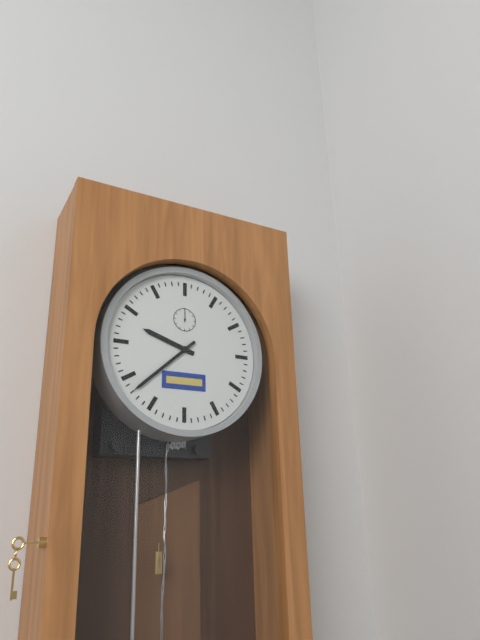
9:38
